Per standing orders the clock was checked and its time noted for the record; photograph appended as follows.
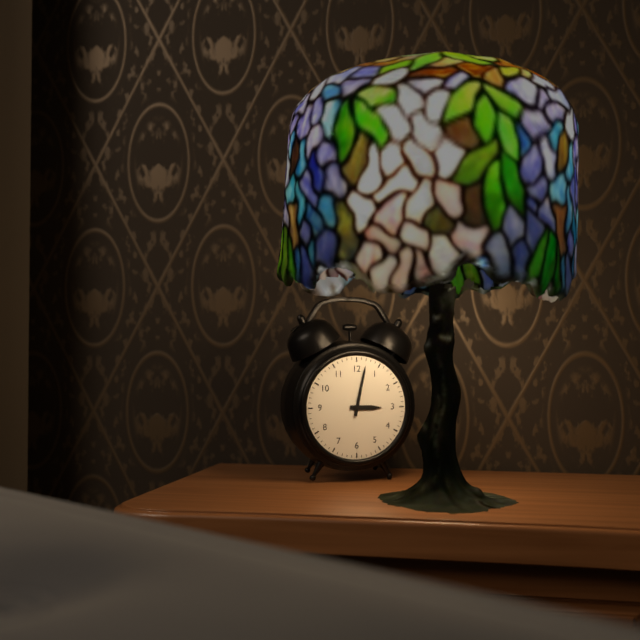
3:02
